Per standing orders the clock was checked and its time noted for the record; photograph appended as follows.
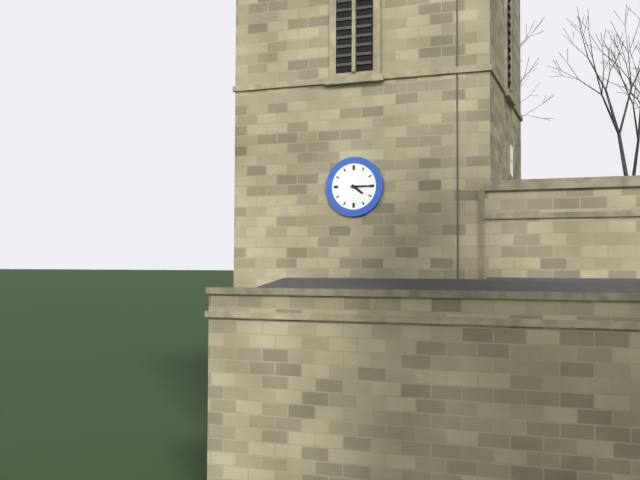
4:15
